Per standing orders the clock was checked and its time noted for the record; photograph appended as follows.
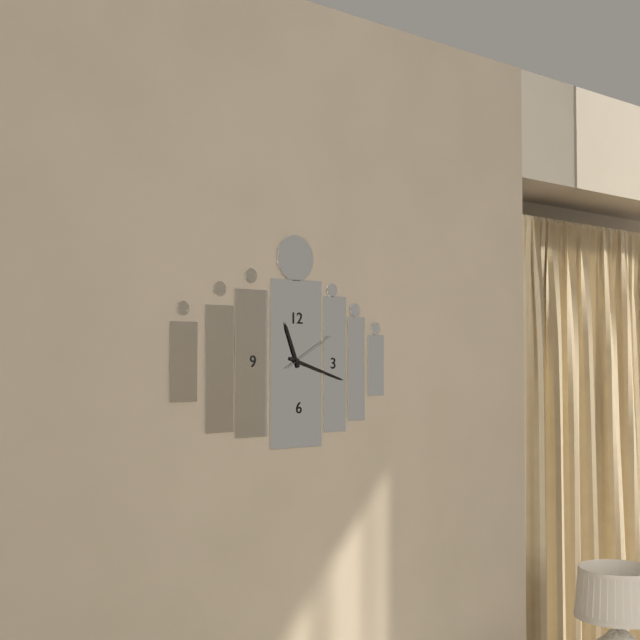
11:18:10
